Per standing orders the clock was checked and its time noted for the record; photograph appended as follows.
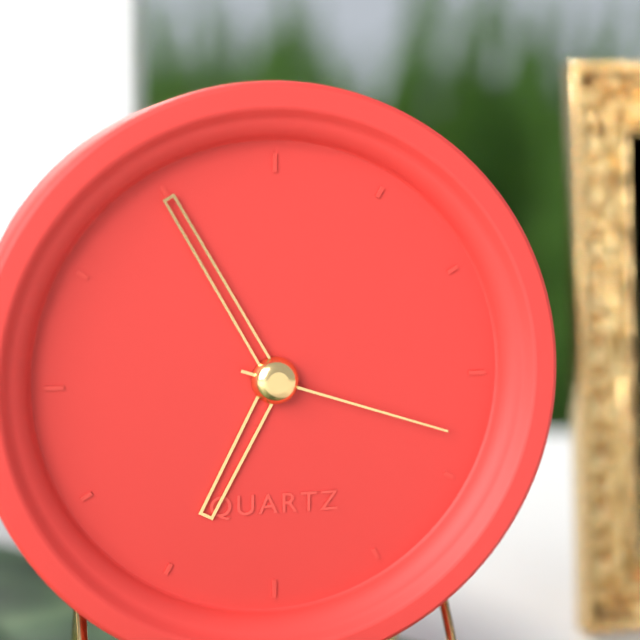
6:55:18
